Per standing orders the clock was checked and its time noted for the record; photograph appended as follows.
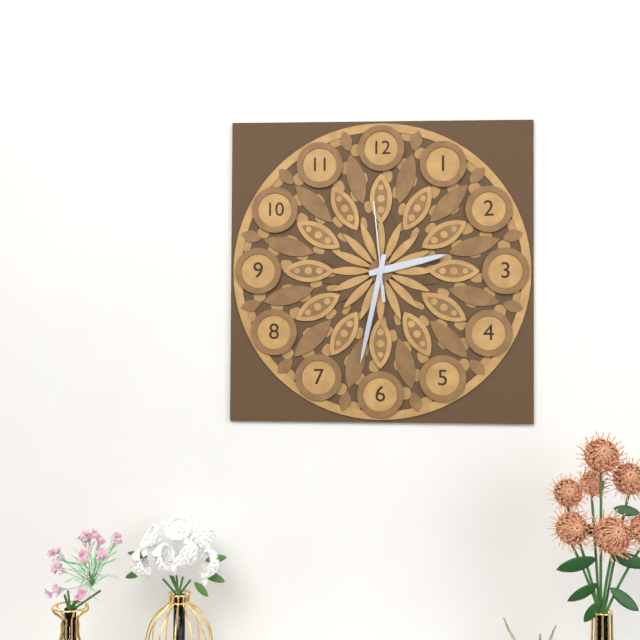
2:32:59
